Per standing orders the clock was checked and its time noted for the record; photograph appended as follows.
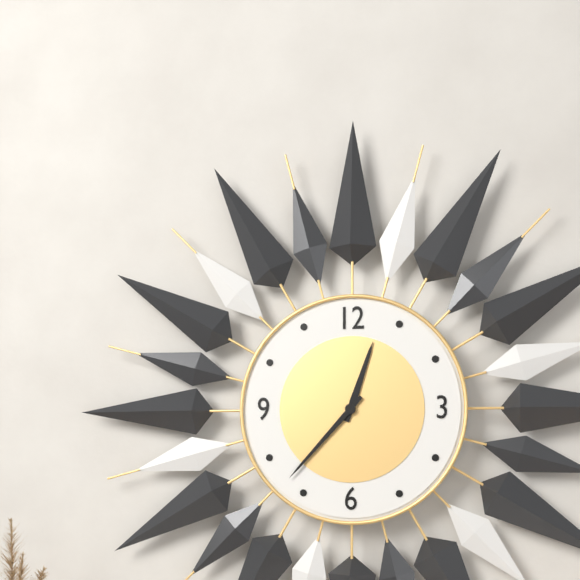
12:37
